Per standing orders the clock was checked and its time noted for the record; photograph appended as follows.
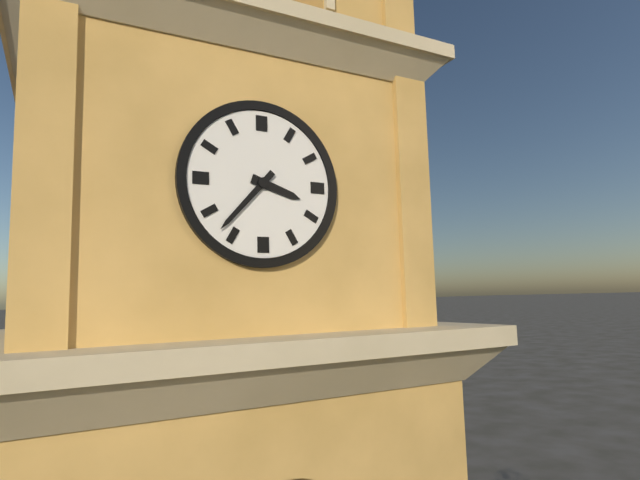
3:37
